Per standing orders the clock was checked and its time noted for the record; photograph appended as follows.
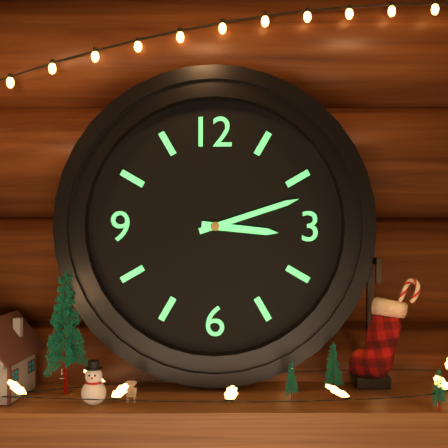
3:12
